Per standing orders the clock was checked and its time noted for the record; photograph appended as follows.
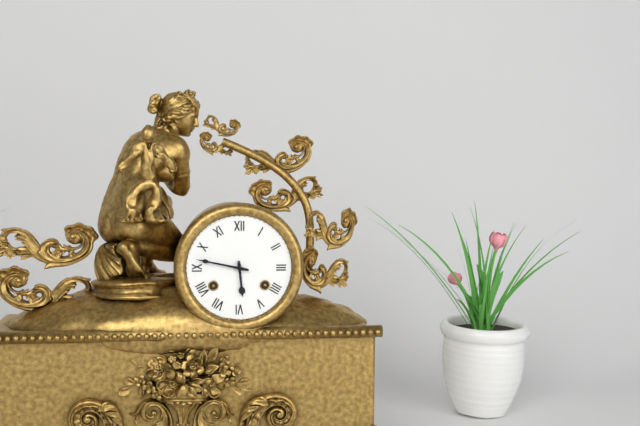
5:47
